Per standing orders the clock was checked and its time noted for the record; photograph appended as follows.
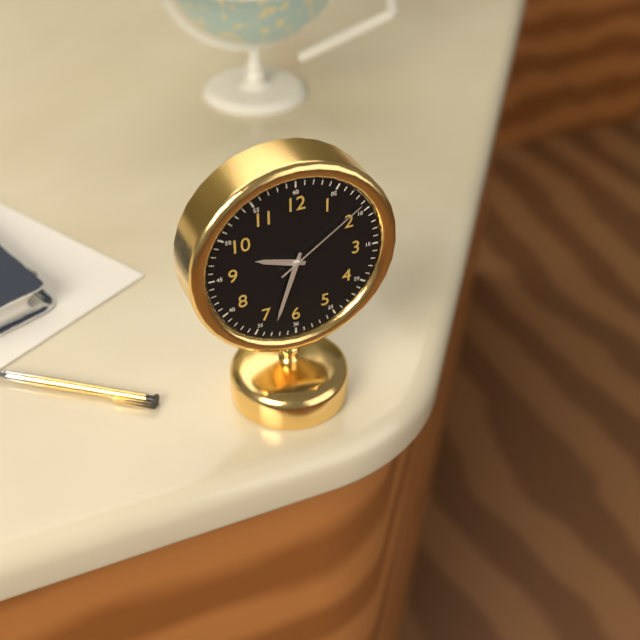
9:33:09
